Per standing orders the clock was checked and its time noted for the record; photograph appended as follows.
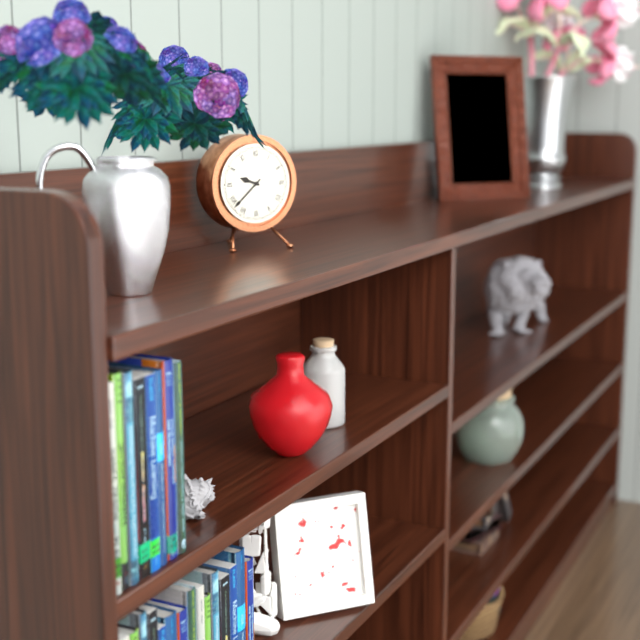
9:38
